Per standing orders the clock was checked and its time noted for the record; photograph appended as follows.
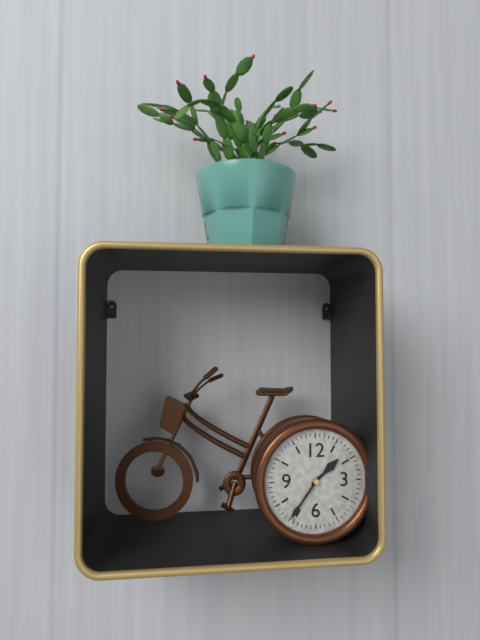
1:36
